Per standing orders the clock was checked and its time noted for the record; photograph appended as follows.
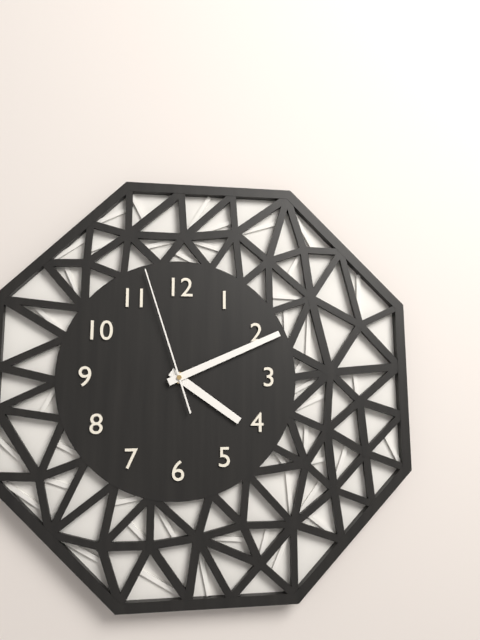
4:11:57
